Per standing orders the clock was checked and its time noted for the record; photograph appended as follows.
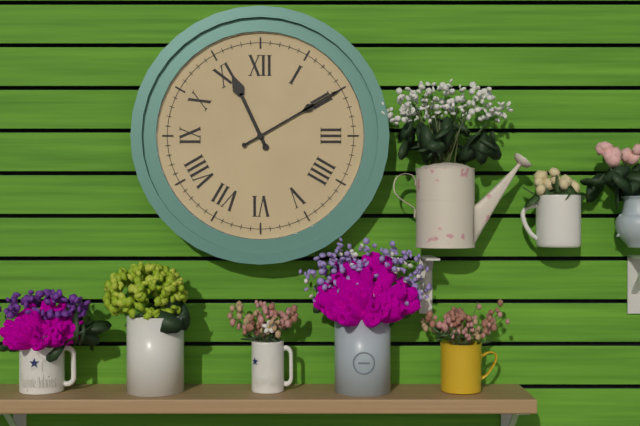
11:10
